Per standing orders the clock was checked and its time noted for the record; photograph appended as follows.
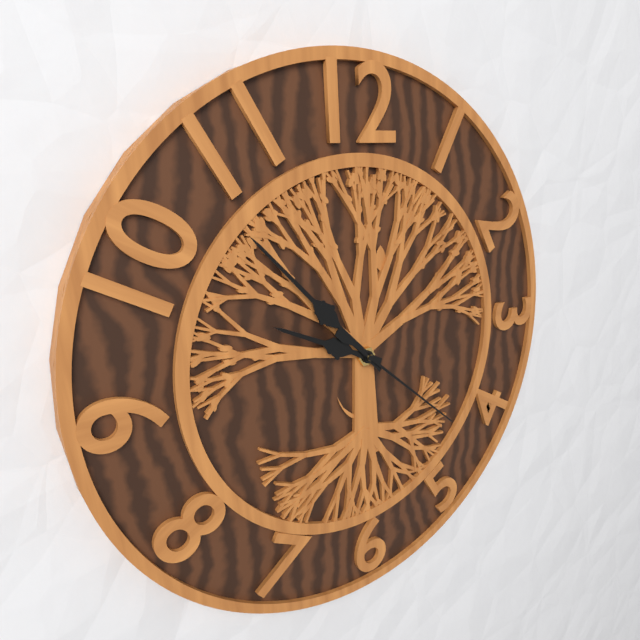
9:53:22
